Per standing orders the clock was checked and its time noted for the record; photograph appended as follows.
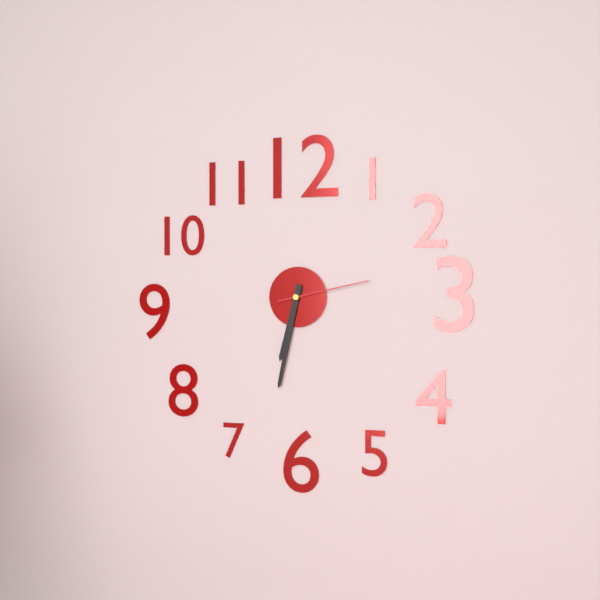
6:32:13
